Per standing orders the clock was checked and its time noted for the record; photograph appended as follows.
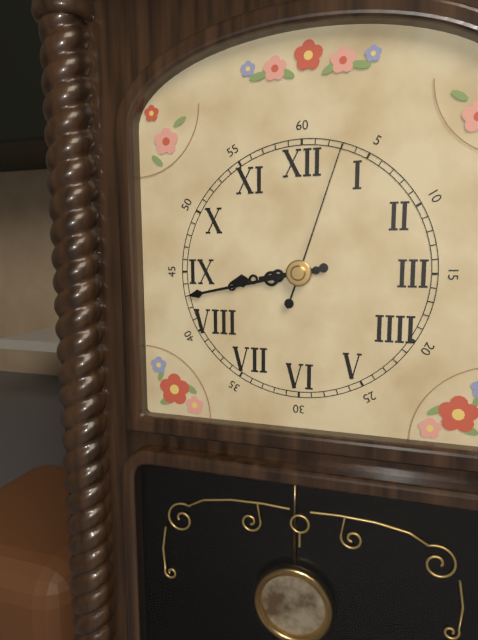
8:43:03
